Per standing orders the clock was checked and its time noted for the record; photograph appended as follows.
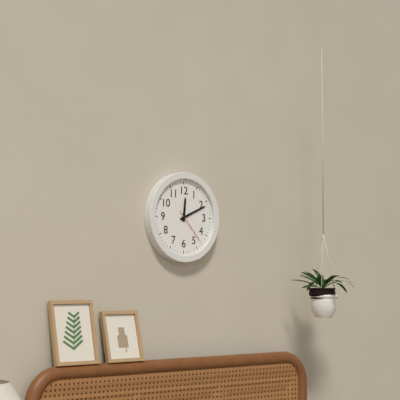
12:11
